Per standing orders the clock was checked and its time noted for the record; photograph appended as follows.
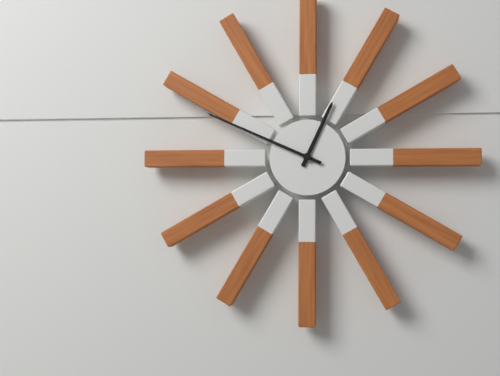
12:49
